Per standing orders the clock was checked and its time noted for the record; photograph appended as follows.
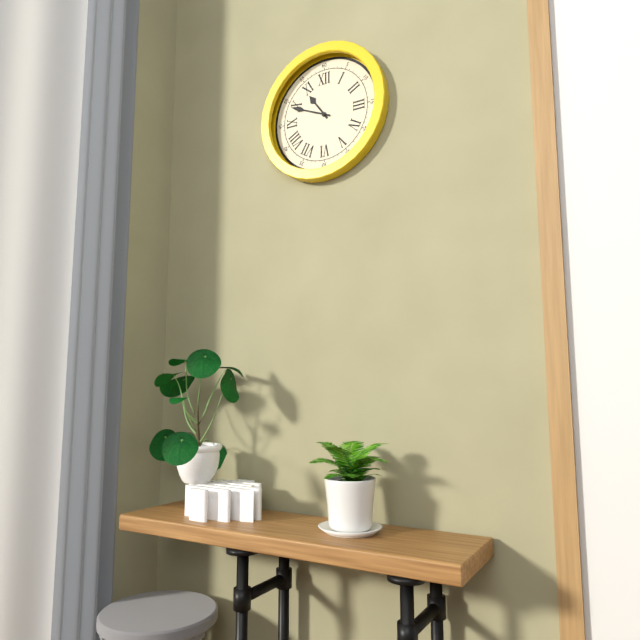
10:49
